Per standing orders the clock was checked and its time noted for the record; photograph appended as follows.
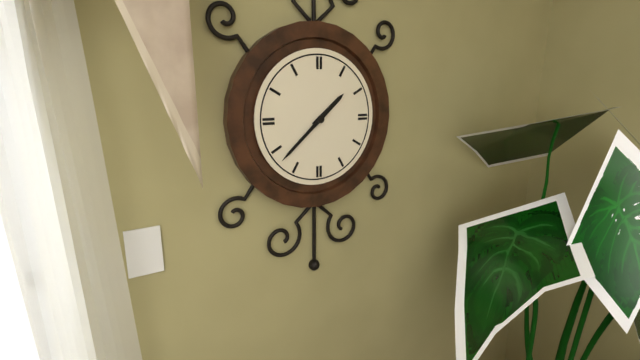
1:38
